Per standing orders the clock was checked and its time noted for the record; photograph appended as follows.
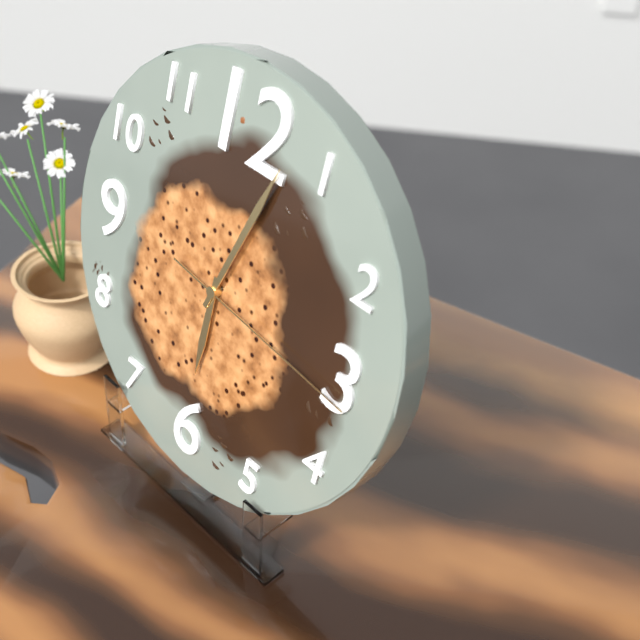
6:03:16
